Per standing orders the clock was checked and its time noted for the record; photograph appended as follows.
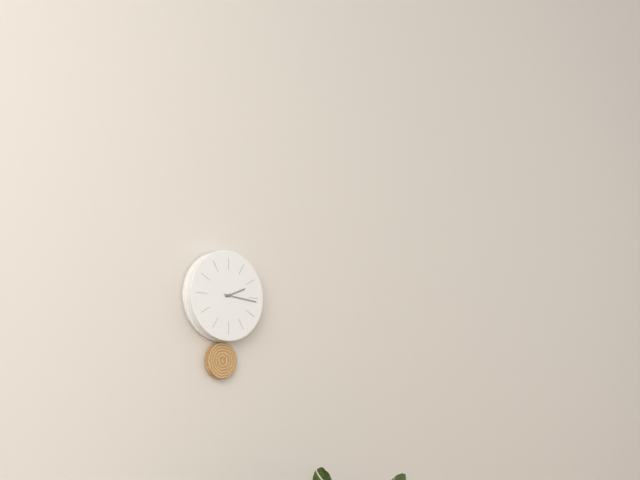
2:16
